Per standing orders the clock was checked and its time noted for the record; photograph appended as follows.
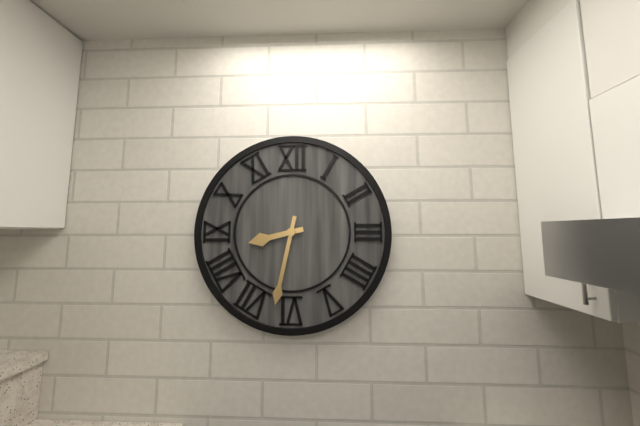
8:32
